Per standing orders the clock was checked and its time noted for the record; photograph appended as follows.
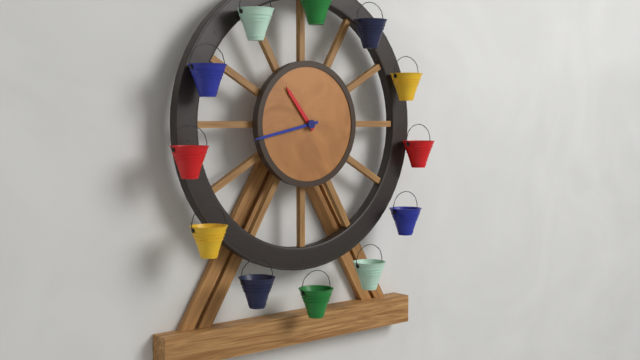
10:43
